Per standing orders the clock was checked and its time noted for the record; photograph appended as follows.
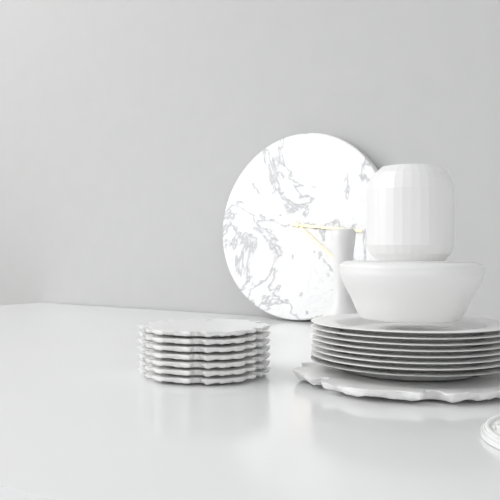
4:16
